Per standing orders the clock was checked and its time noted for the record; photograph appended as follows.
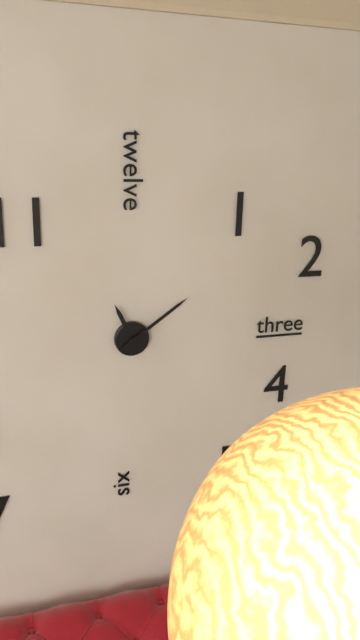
11:09
